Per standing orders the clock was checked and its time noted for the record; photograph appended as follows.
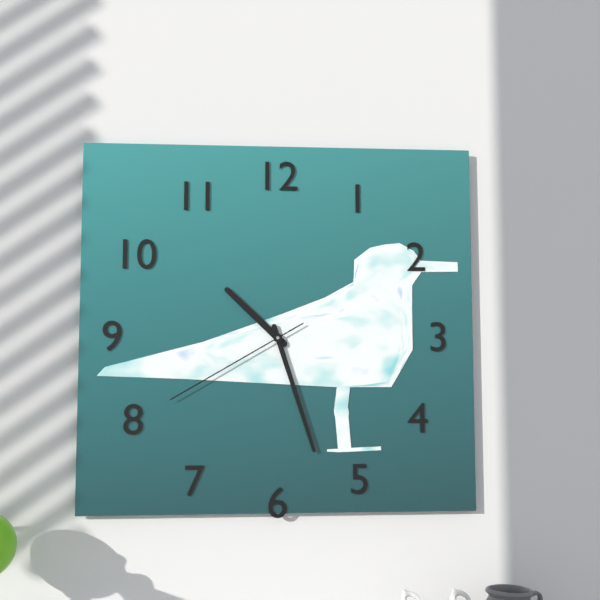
10:27:40
